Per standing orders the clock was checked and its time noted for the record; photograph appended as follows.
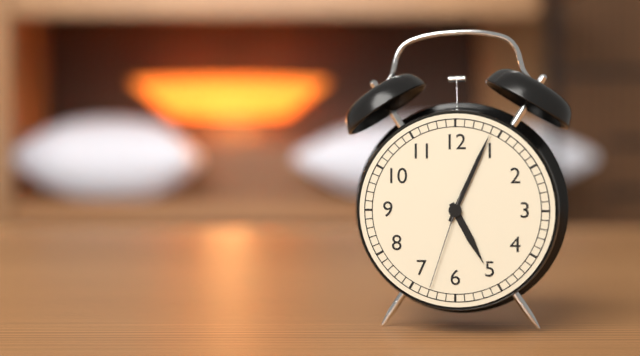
5:04:33
